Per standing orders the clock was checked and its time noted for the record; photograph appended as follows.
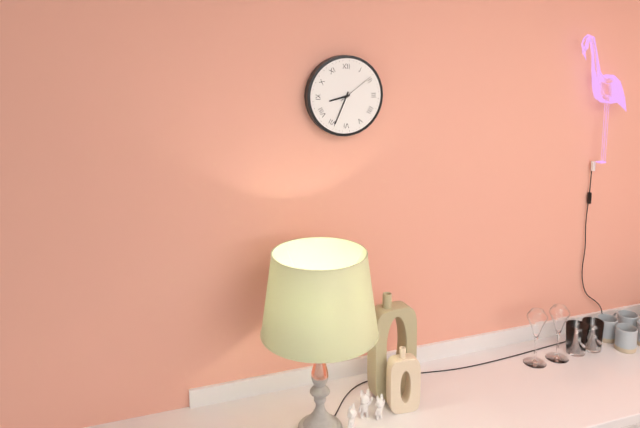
8:34
